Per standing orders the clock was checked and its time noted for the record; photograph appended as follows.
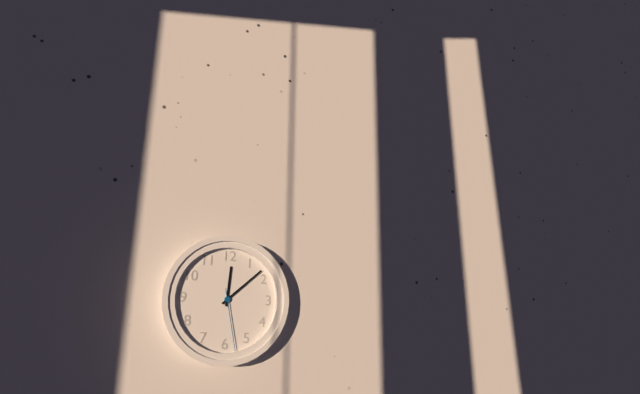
12:08:28
